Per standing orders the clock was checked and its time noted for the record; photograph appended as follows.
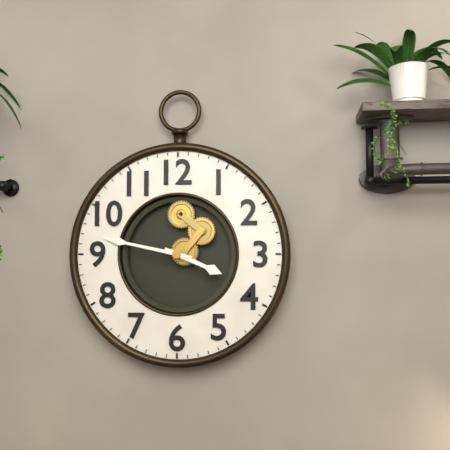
3:47
